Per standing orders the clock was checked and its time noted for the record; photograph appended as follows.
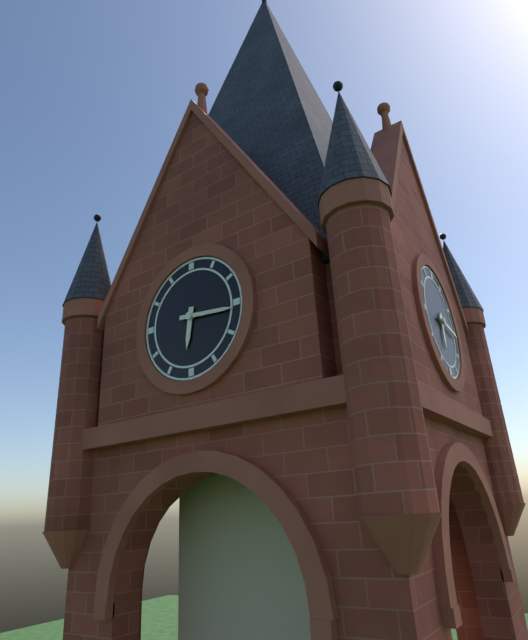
6:16
